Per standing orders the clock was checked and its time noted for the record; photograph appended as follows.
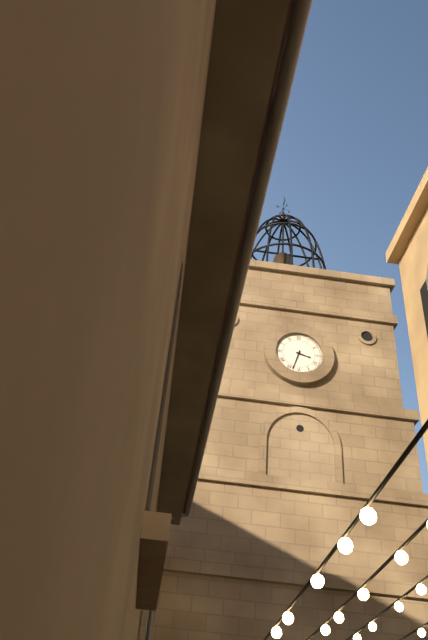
3:33
